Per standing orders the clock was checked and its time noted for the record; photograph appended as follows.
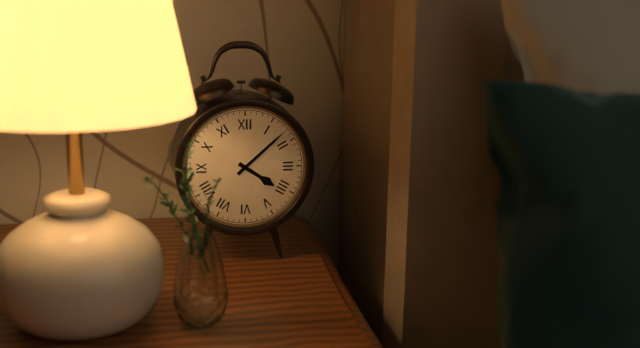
4:08
